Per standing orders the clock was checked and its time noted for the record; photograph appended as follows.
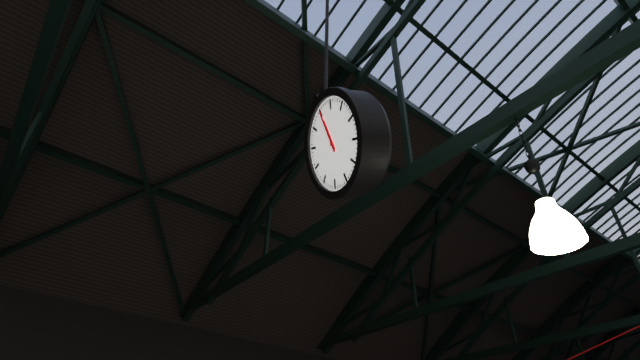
12:00
